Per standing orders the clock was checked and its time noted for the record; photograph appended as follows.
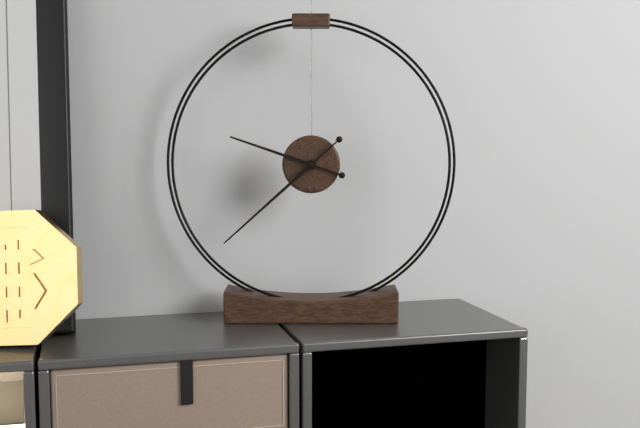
9:38
